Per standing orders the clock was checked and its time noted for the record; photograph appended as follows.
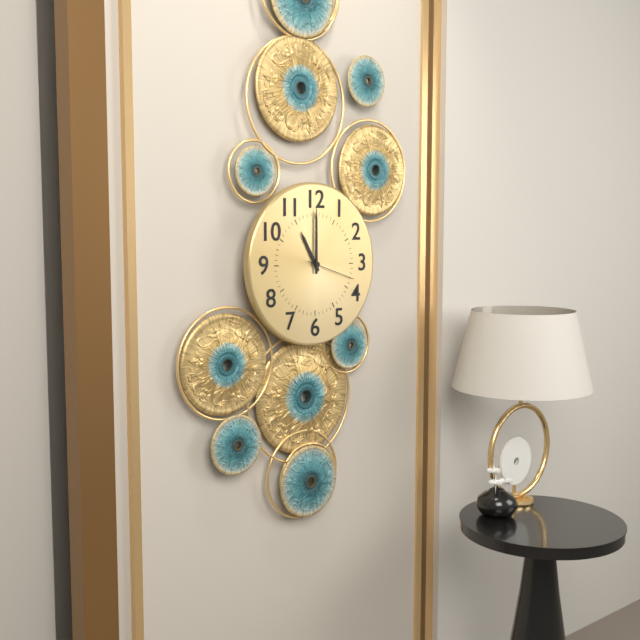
11:00:18
